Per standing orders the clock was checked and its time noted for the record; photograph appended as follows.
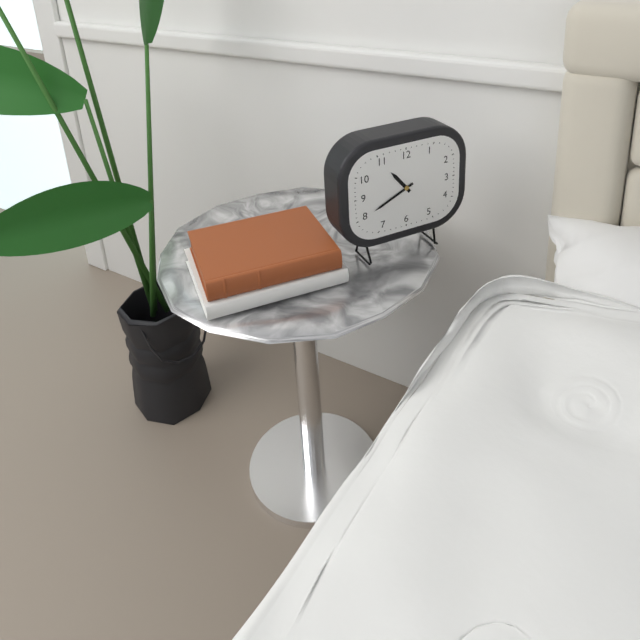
10:41
